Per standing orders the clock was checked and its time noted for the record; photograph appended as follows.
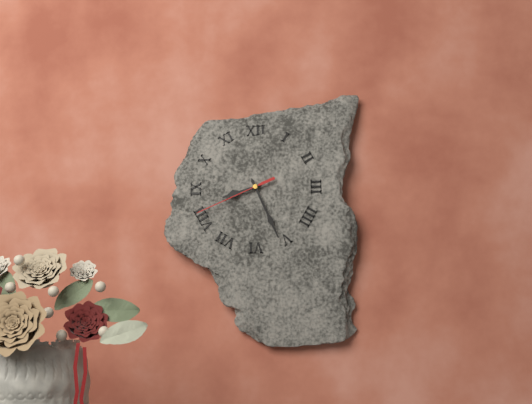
8:26:41
